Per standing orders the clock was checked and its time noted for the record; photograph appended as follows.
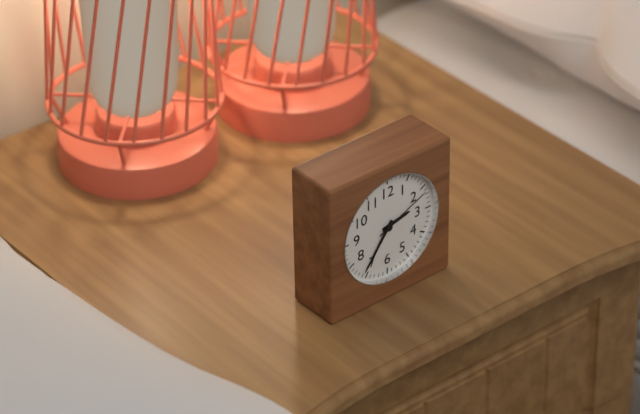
2:36:11
